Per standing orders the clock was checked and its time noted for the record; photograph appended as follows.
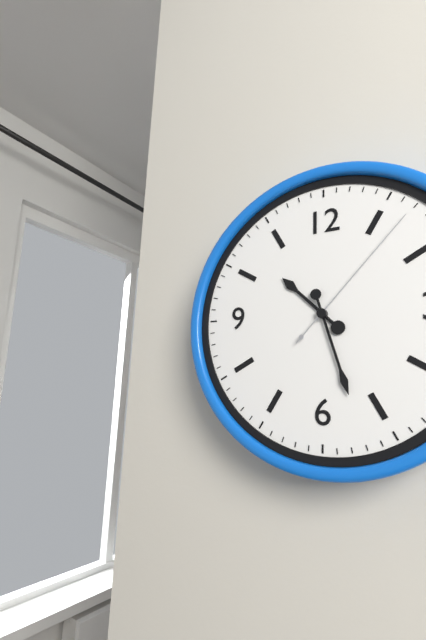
10:27:07
